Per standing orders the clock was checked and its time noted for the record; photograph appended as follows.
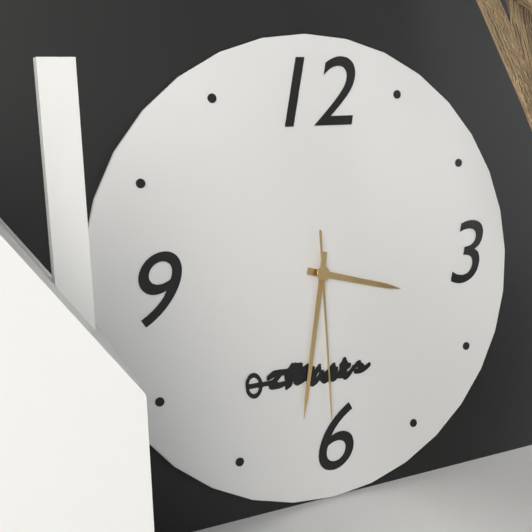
3:32:30
